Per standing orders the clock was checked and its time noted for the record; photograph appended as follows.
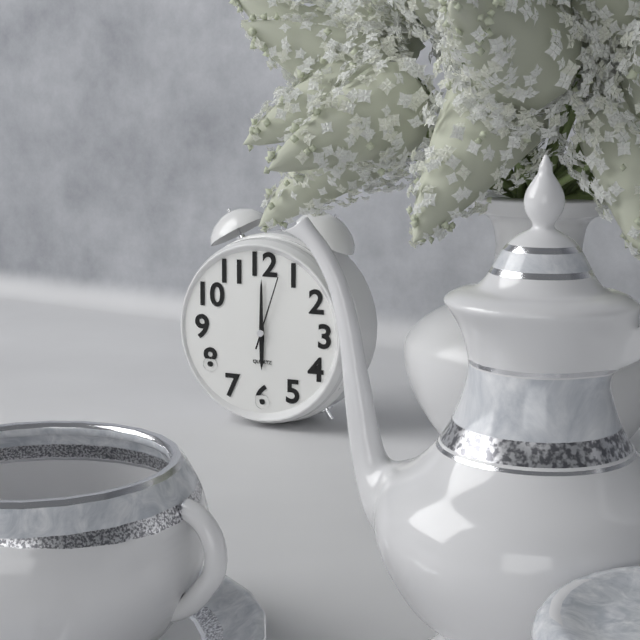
6:00:03
